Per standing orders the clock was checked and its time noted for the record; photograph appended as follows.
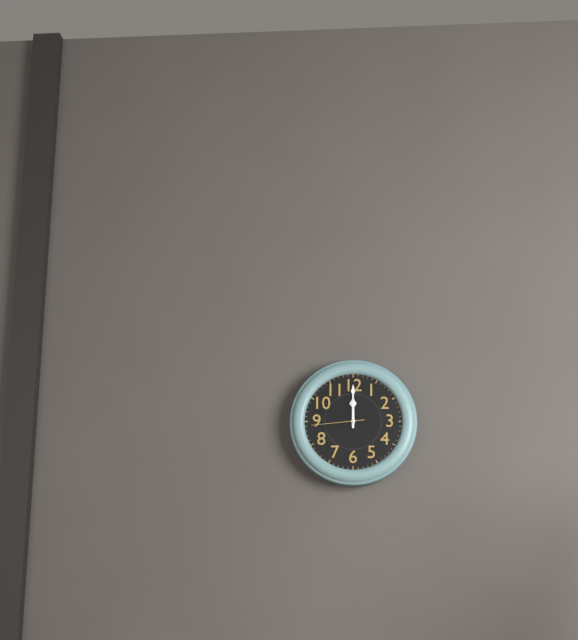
12:00:44
